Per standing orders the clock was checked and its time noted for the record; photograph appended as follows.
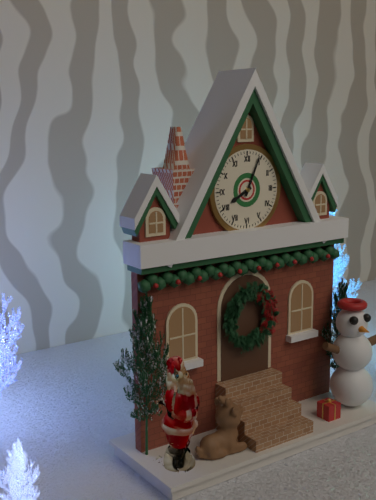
8:04
